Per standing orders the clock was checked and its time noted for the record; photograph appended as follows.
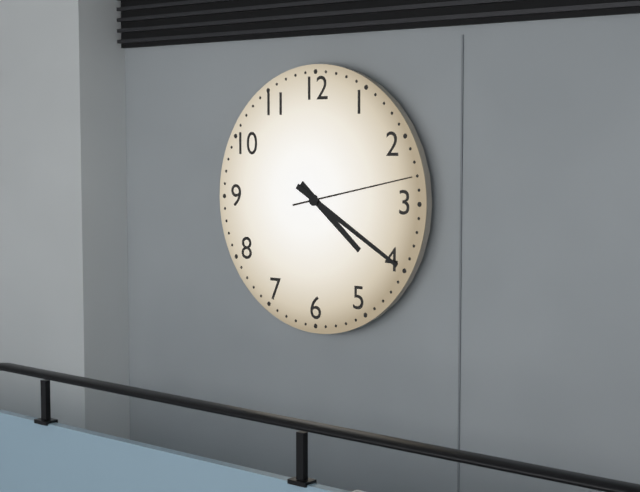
4:20:13
